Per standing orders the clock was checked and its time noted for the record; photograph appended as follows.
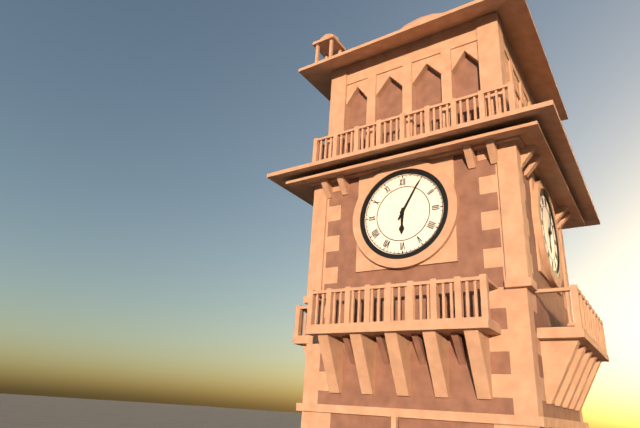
6:05
